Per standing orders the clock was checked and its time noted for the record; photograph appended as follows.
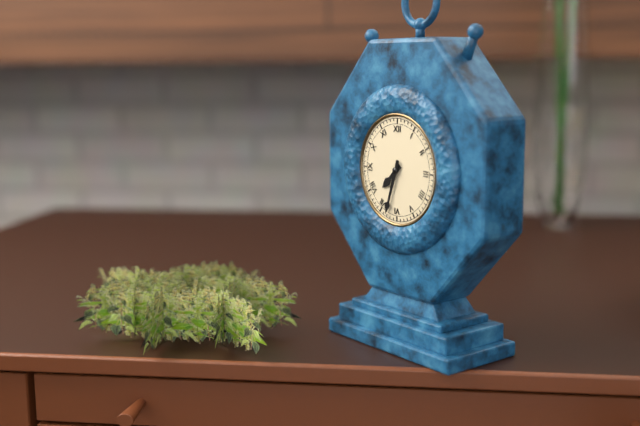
7:33
